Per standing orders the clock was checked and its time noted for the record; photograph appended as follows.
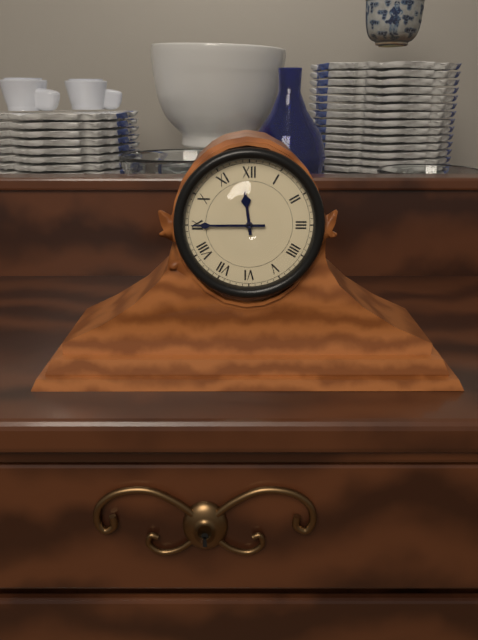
11:45
